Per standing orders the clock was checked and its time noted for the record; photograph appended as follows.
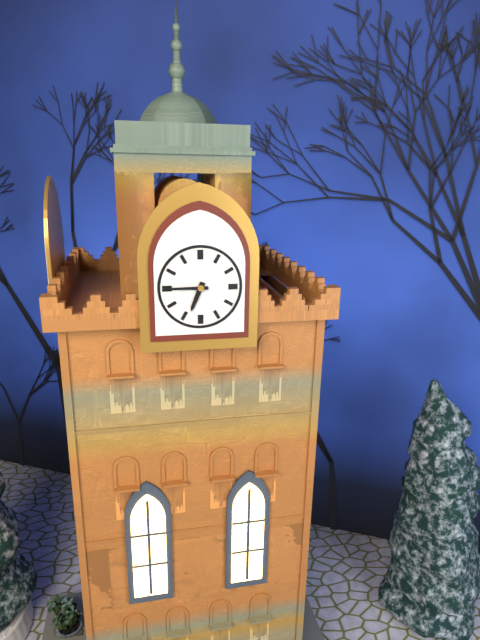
6:45
